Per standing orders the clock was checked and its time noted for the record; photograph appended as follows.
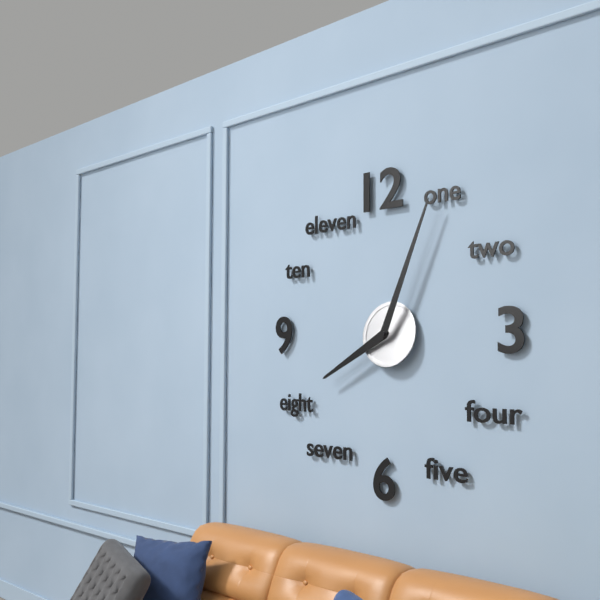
8:04
